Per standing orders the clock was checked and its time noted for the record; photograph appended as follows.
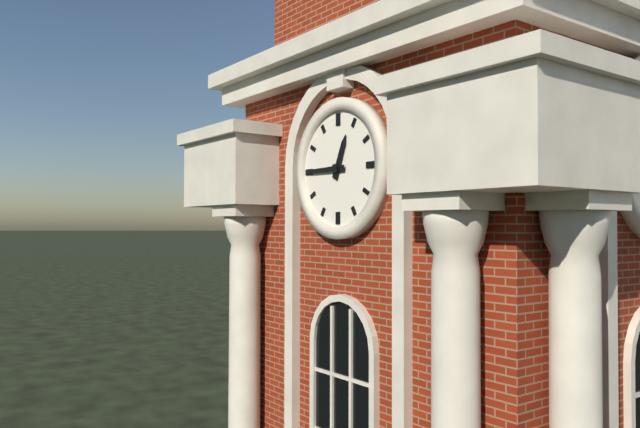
12:45
